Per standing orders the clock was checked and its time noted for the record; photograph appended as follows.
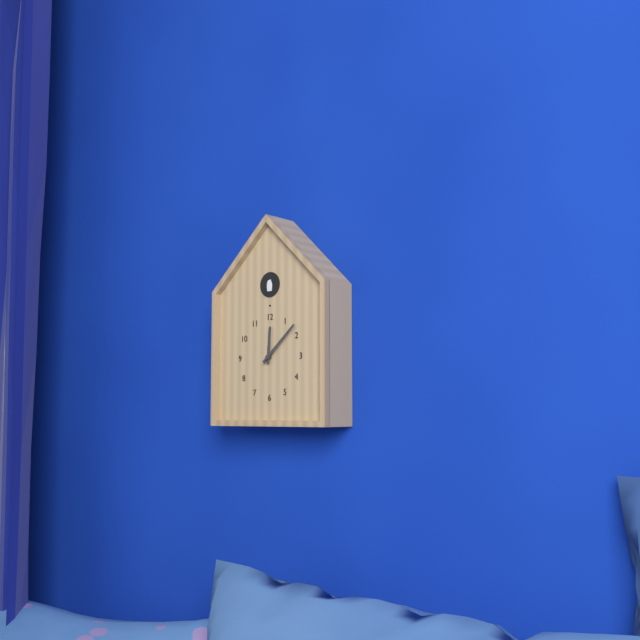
12:08
